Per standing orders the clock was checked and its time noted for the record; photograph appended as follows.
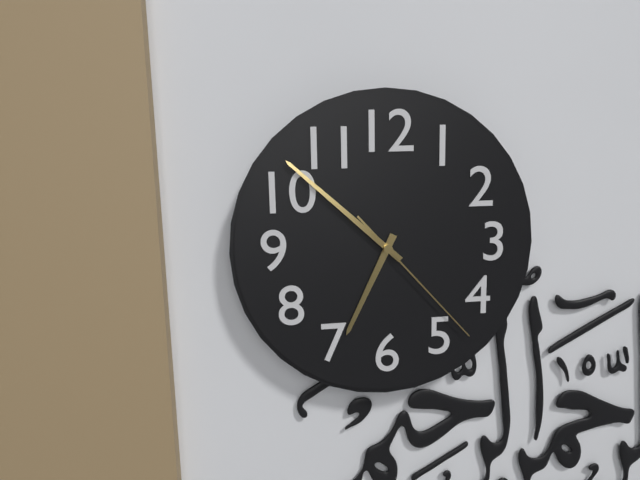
6:52:23
